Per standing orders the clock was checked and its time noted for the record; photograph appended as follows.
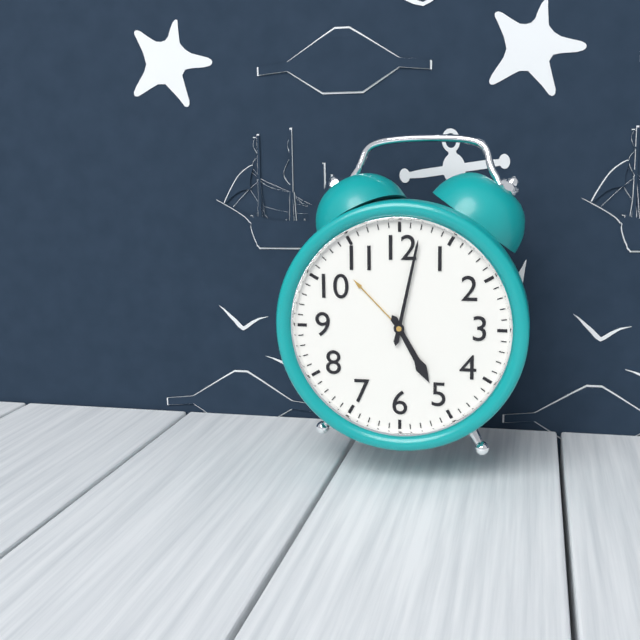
5:02
